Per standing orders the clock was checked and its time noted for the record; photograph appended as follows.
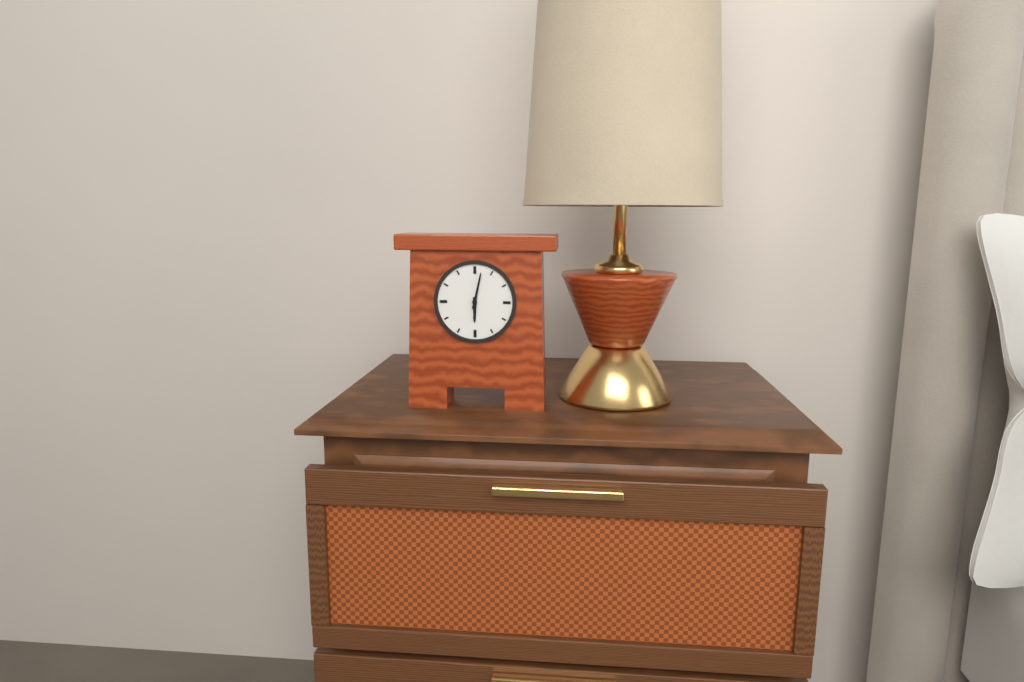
6:02
